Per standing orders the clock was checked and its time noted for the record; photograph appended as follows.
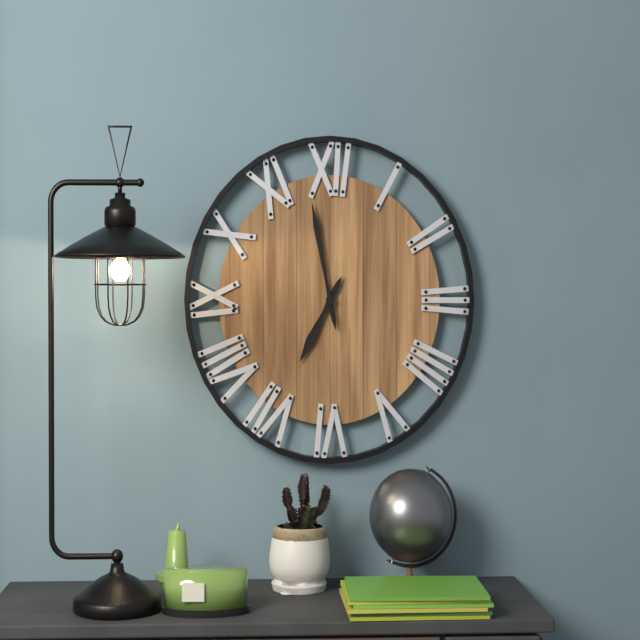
6:58
